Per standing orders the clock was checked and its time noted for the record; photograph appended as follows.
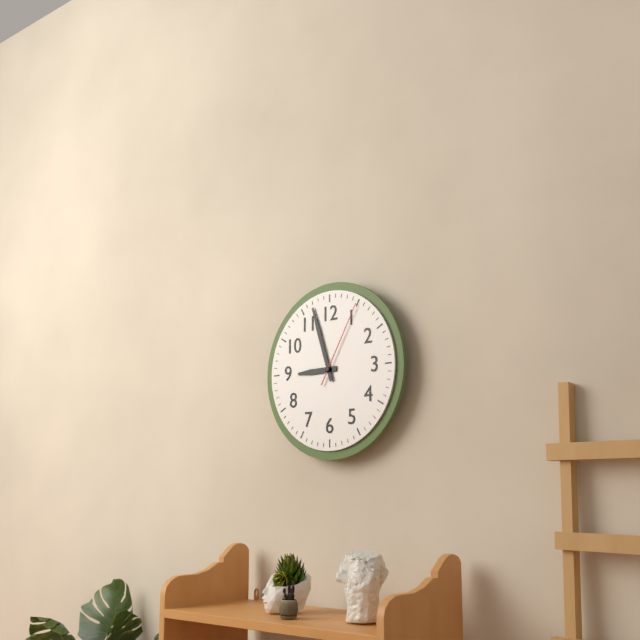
8:57:05
